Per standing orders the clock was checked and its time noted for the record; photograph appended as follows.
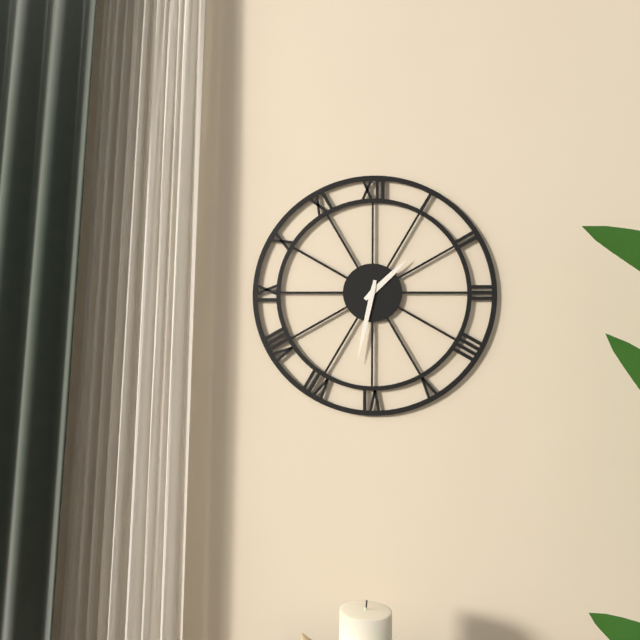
1:32
